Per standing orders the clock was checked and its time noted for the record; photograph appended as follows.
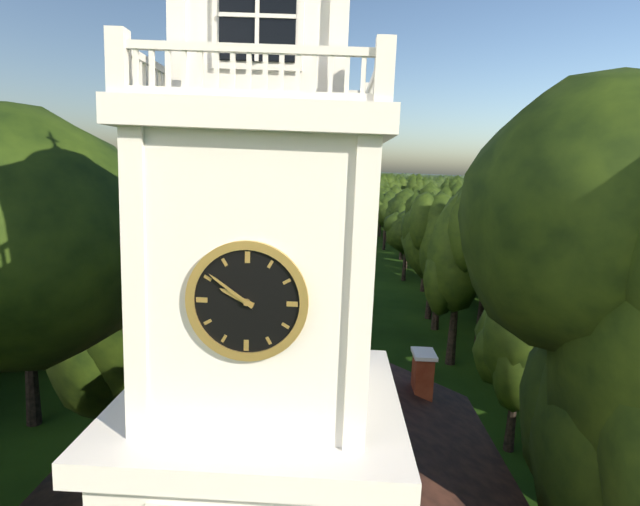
9:51
